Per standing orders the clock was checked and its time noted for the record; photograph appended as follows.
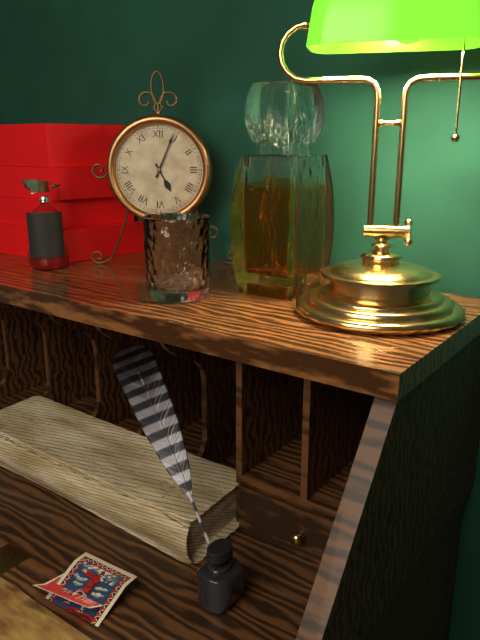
5:04
